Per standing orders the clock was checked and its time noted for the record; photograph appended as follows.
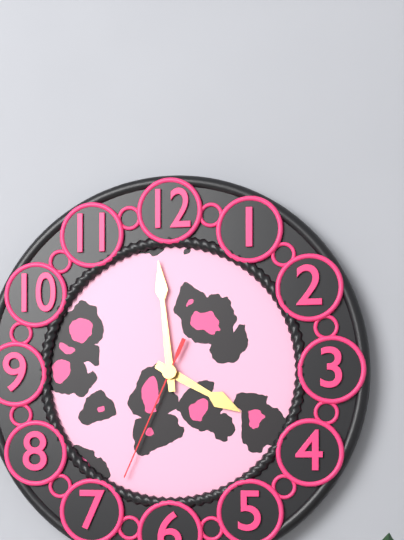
3:59:34
